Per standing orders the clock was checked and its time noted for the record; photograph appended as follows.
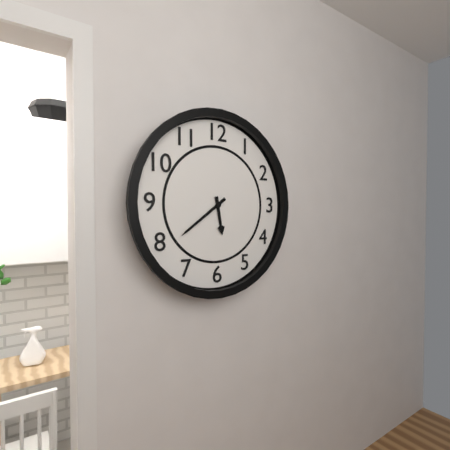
5:39
